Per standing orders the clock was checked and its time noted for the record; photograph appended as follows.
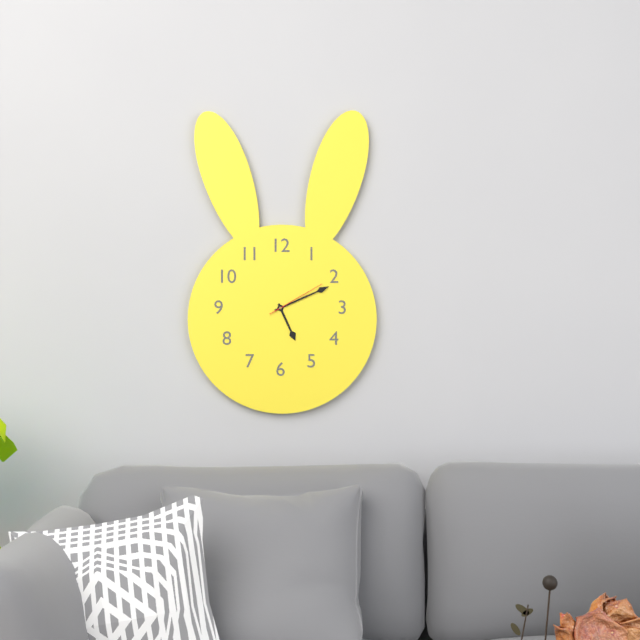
5:11:10
